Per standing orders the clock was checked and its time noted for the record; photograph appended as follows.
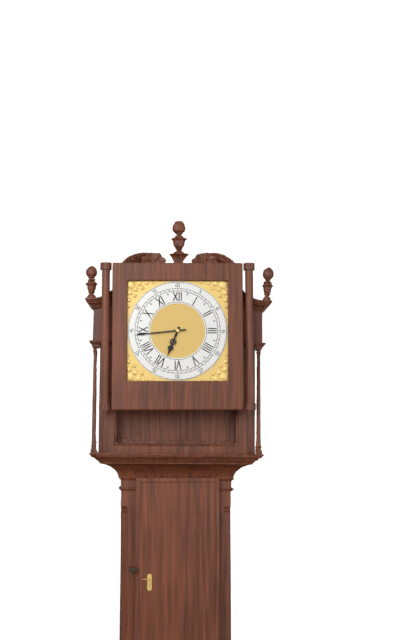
6:44
